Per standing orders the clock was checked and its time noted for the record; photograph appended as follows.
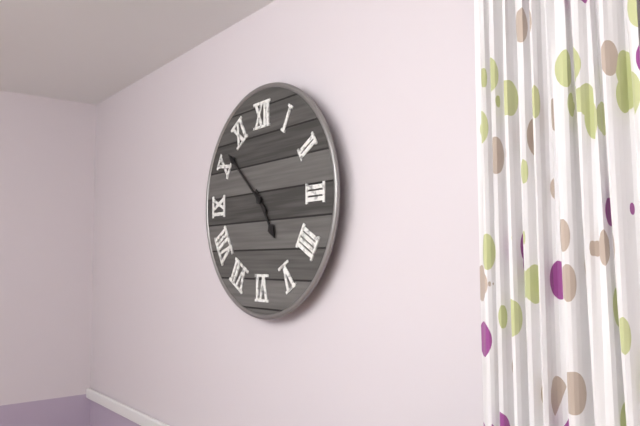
4:52
